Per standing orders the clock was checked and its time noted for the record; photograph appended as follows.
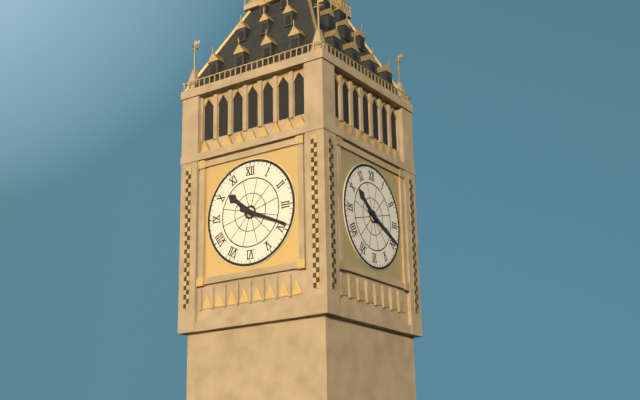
10:19
